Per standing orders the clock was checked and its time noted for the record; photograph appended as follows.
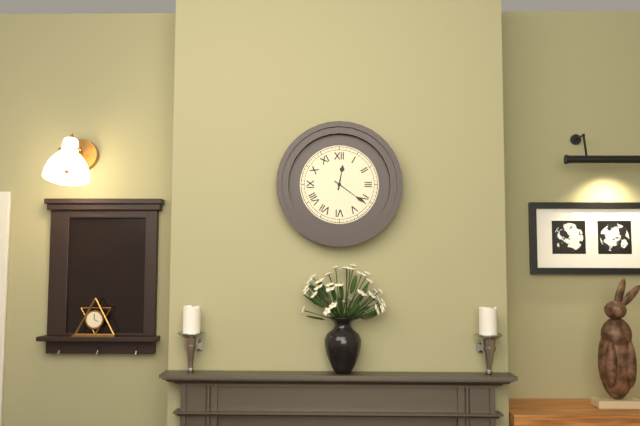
12:21
